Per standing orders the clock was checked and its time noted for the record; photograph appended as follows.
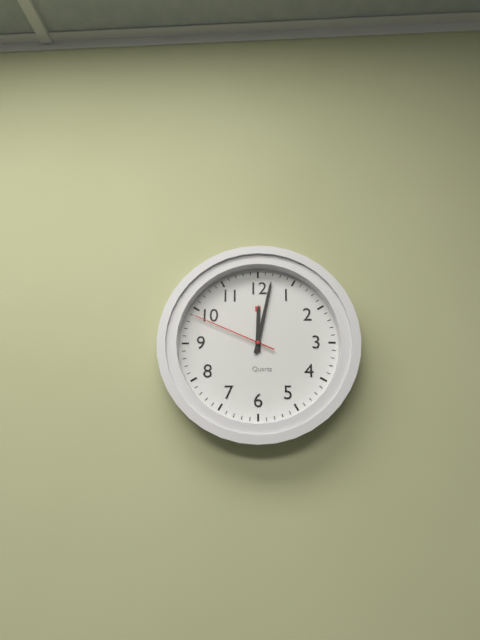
12:02:49
